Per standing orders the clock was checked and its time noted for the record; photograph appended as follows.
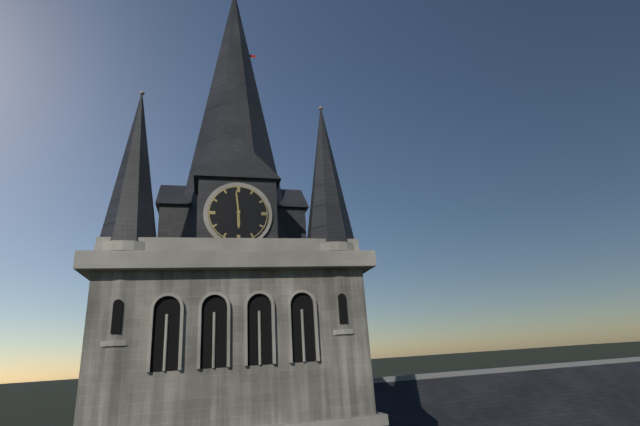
5:59
